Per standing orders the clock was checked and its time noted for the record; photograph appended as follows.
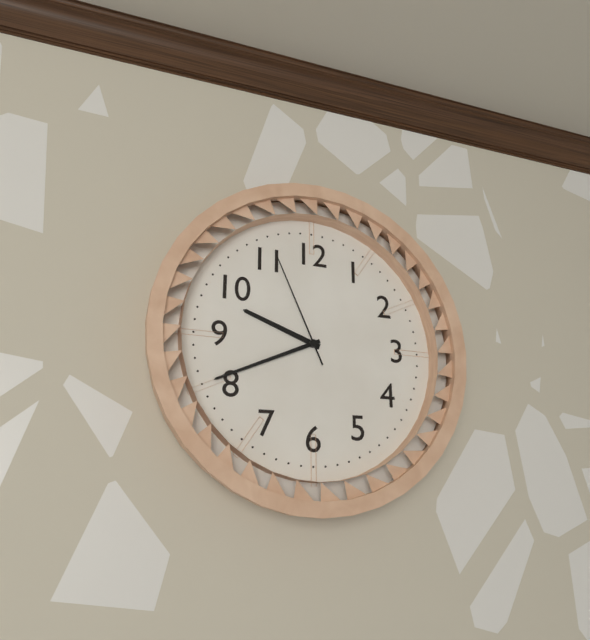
9:41:56
